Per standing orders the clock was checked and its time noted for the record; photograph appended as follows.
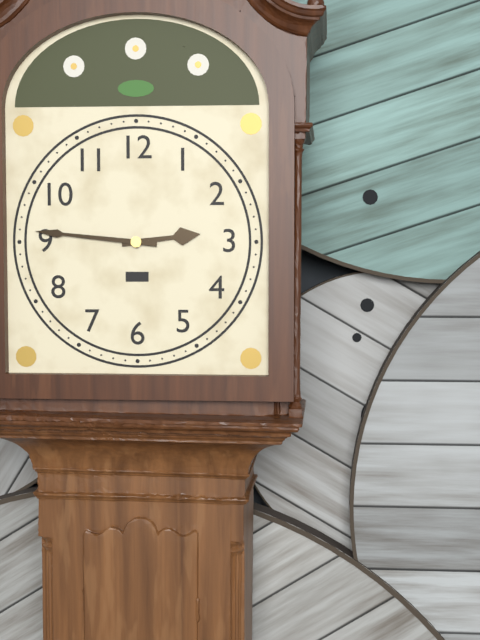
2:46
